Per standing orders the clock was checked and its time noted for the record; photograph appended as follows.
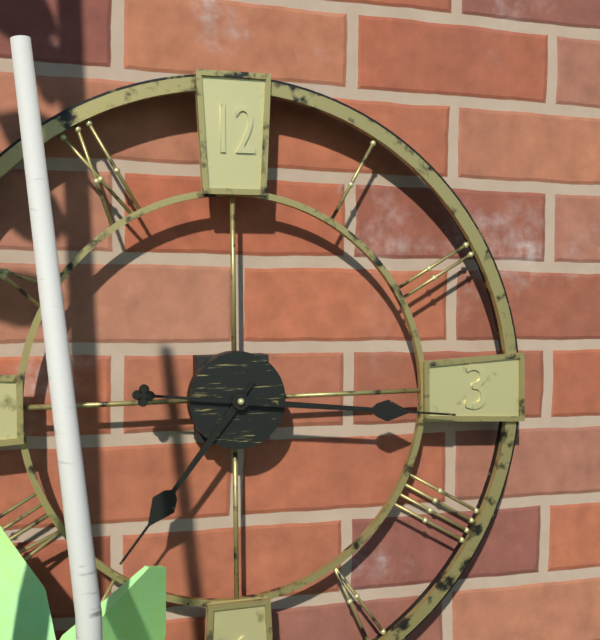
7:16
